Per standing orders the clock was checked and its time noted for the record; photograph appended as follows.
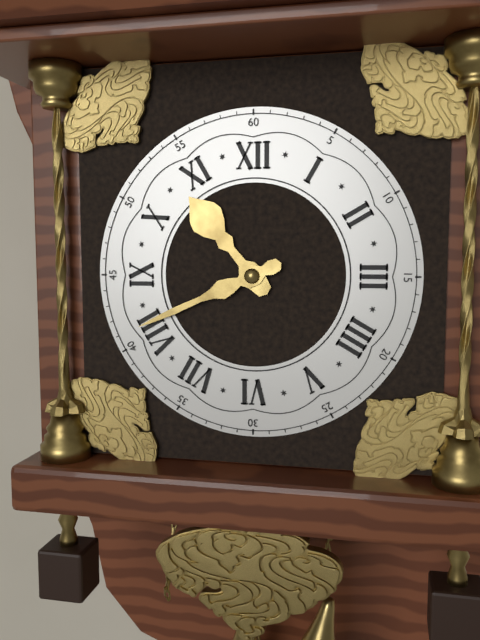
10:41
